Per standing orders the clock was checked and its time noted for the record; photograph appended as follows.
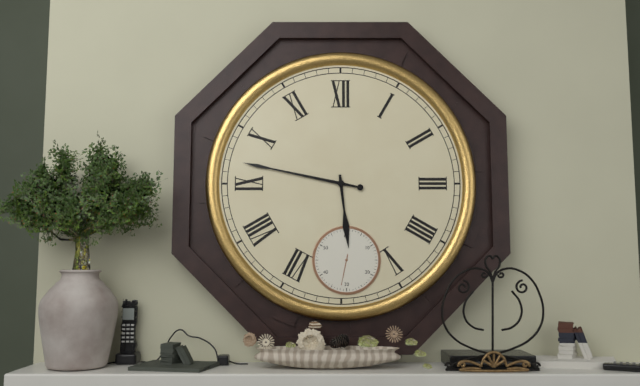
5:47
